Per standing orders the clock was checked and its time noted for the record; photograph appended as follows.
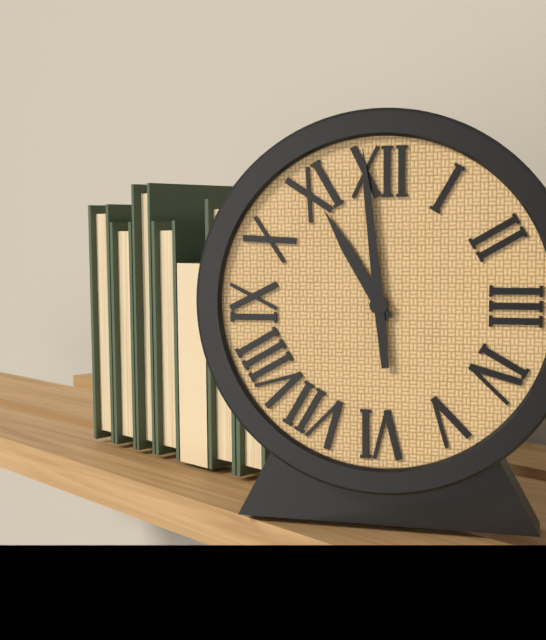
10:59
